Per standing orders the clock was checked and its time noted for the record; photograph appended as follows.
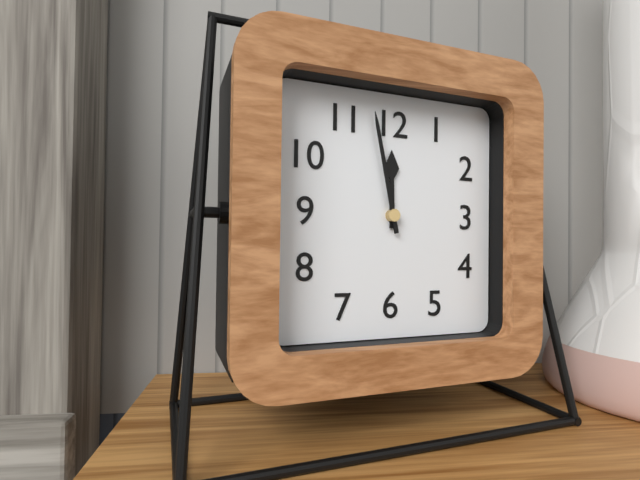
11:58
